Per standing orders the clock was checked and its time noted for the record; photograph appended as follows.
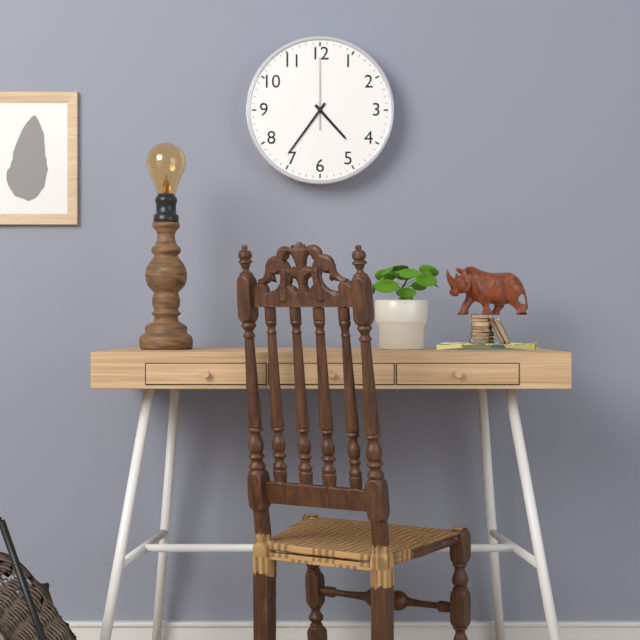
4:36:00
